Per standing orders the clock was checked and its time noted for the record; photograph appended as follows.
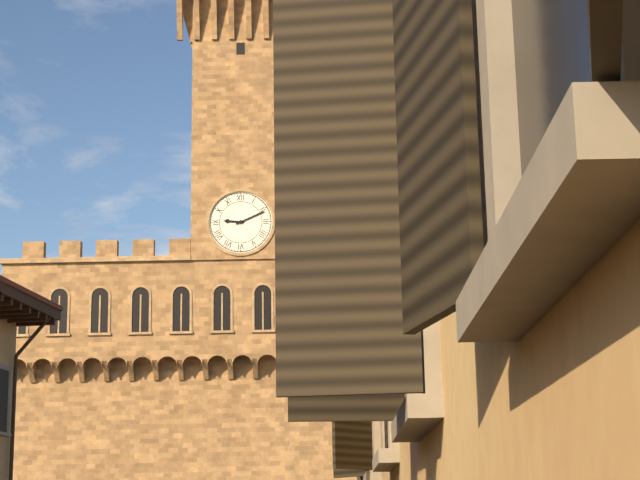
9:11
